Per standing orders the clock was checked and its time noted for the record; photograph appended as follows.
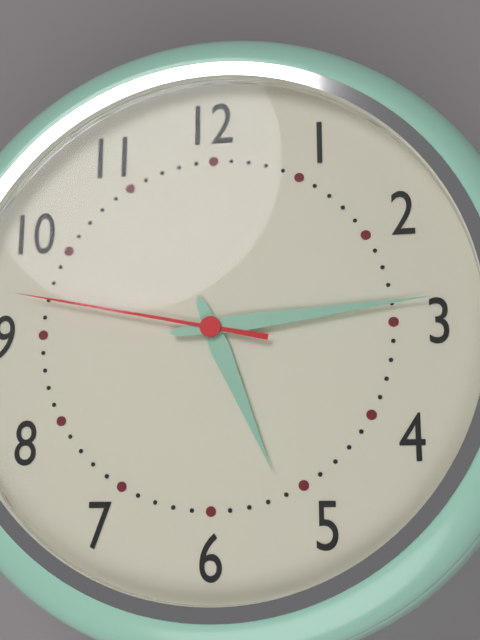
5:14:47
